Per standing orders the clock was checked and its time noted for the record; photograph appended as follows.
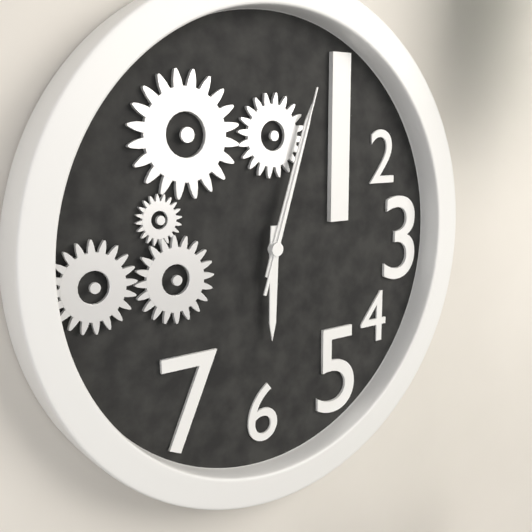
6:03:03
